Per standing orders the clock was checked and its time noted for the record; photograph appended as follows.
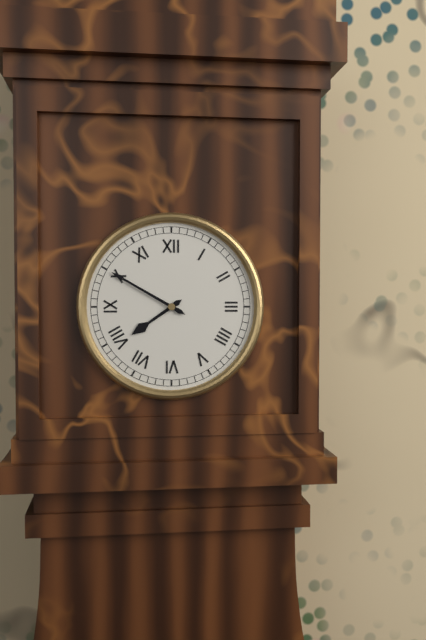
7:50
